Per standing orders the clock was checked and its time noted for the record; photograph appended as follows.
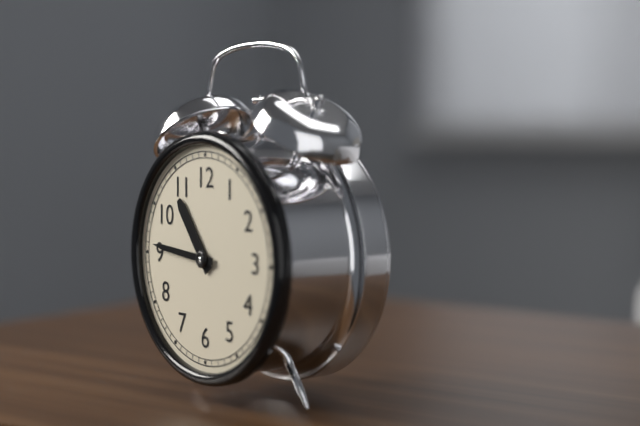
10:46
